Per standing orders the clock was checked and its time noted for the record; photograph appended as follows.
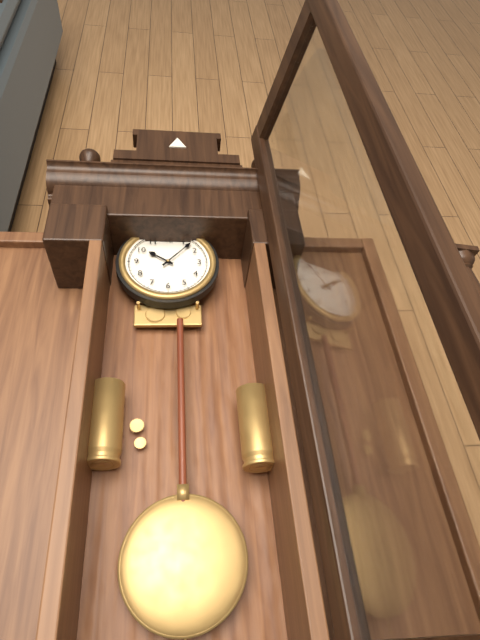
10:07
